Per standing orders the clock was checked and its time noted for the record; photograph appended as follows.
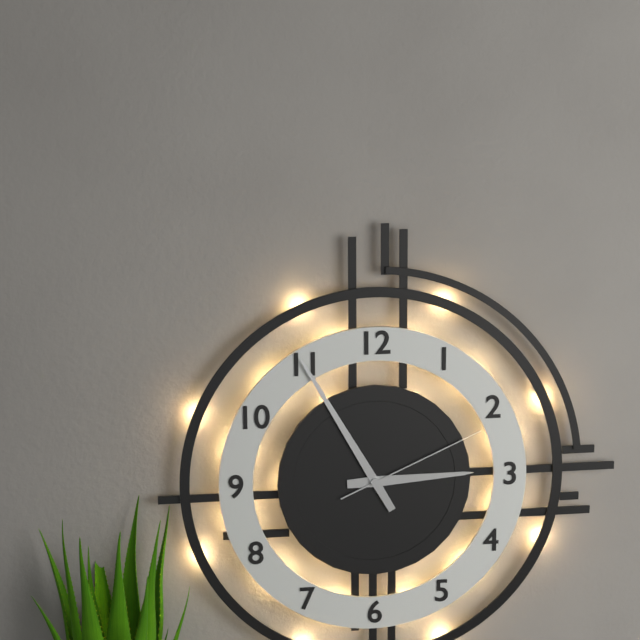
2:55:11
